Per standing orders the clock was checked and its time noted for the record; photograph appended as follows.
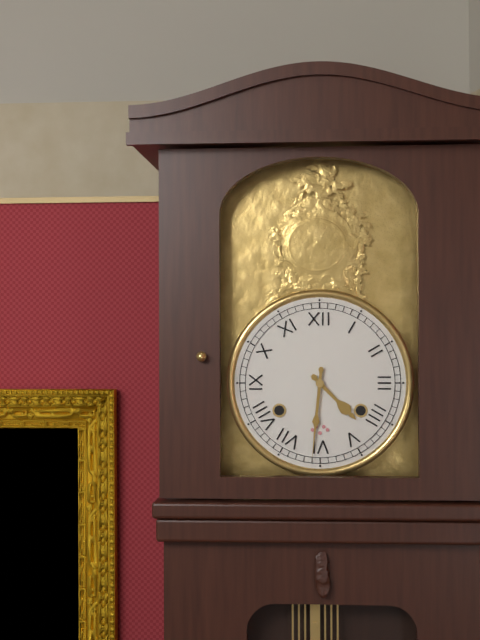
4:31
